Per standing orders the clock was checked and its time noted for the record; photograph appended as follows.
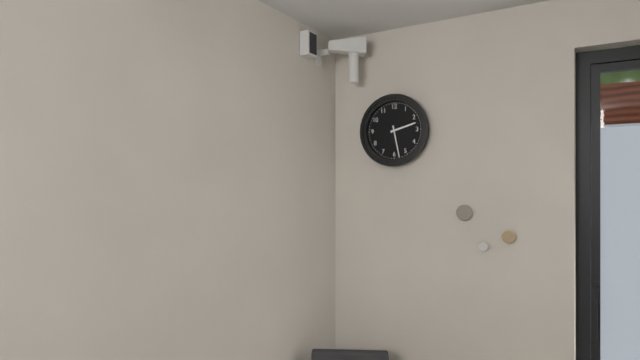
2:28
